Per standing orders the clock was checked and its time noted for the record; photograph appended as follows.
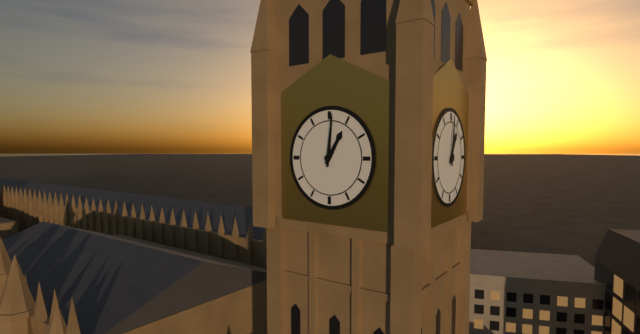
1:01
